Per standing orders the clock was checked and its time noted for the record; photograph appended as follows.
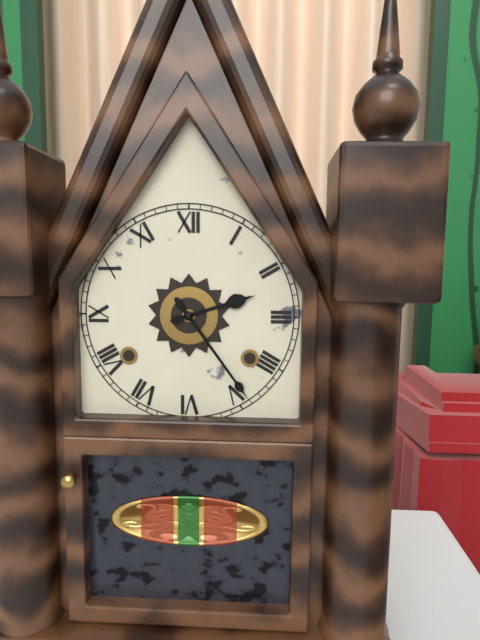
2:24
